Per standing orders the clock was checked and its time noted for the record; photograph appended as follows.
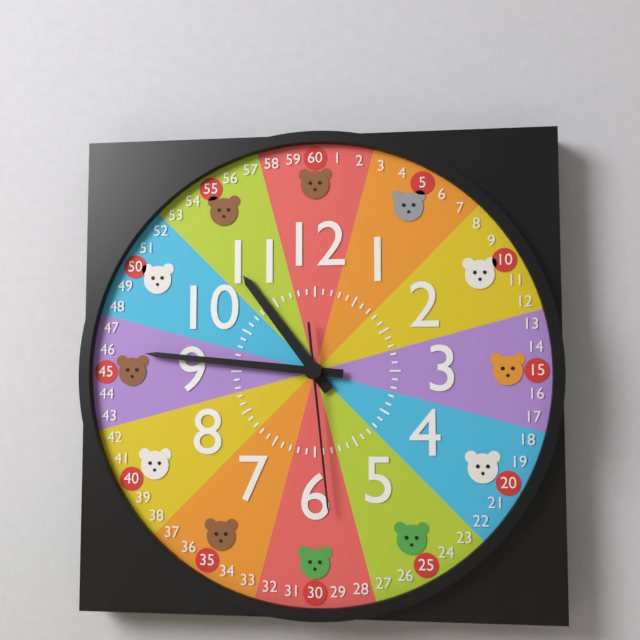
10:46:29
